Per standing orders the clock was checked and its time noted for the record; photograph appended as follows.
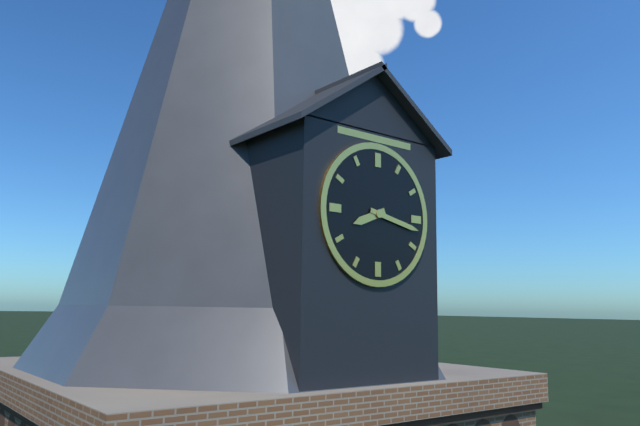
8:17
